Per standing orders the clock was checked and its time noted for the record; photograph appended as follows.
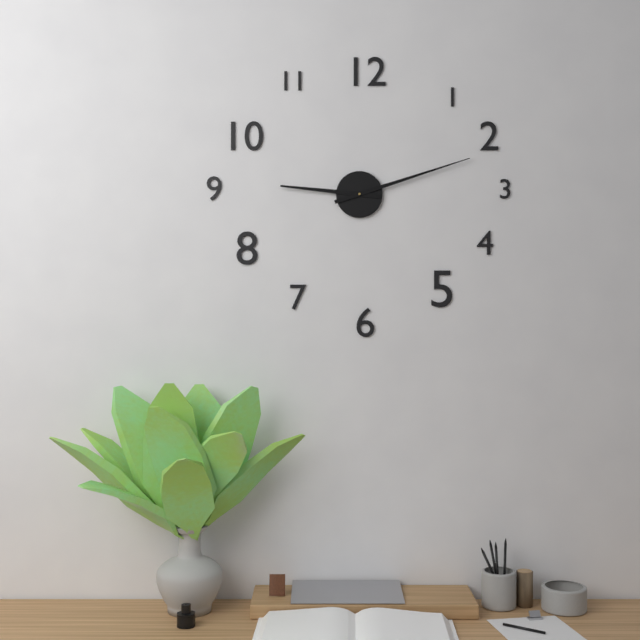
9:12
